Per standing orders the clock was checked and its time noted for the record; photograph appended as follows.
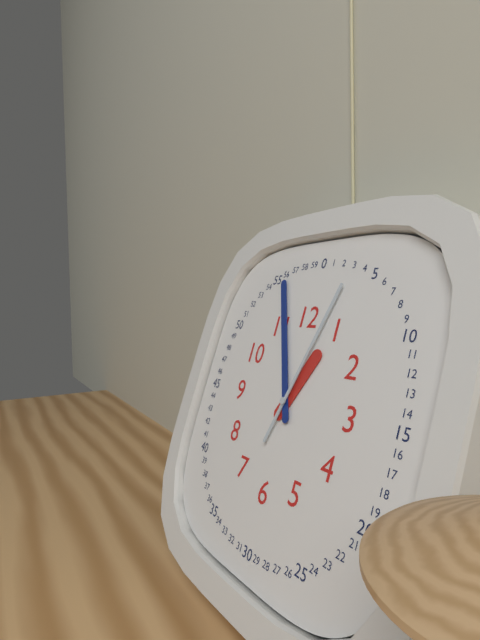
12:56:03
